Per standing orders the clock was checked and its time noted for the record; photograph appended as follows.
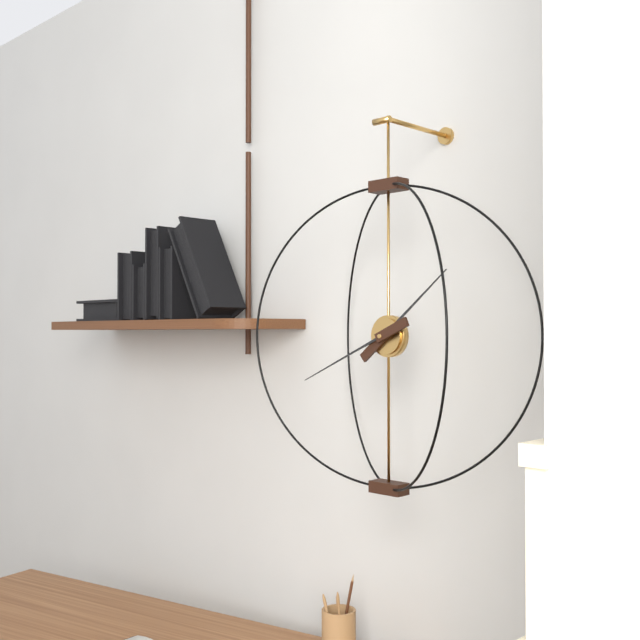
1:41
